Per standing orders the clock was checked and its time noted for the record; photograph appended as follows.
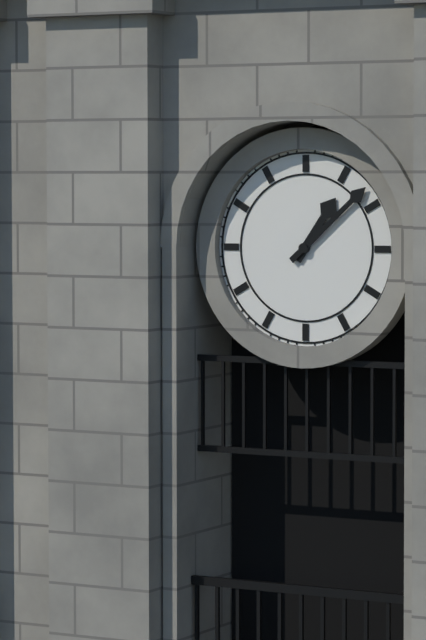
1:08
